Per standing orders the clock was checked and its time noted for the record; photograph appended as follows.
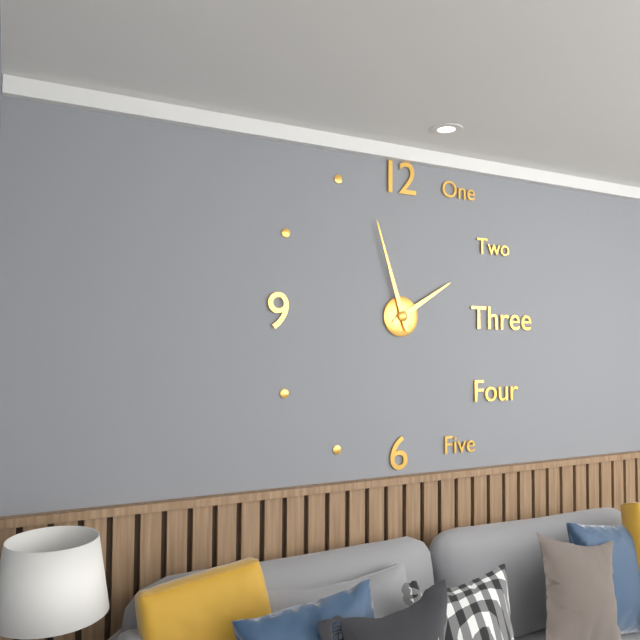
1:57
